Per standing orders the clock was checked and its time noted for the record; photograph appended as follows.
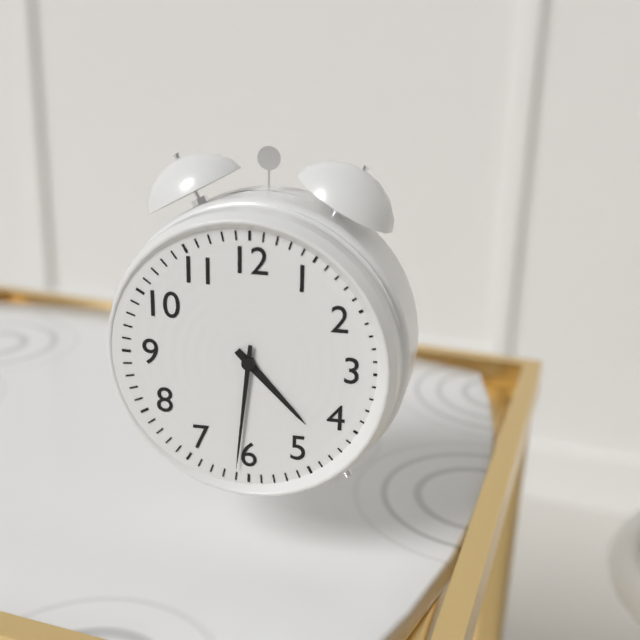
4:31
